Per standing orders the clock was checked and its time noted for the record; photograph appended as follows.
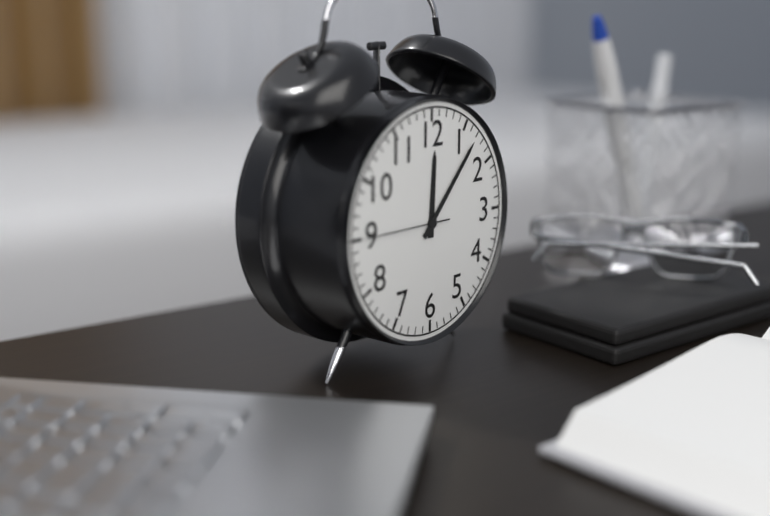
12:07
